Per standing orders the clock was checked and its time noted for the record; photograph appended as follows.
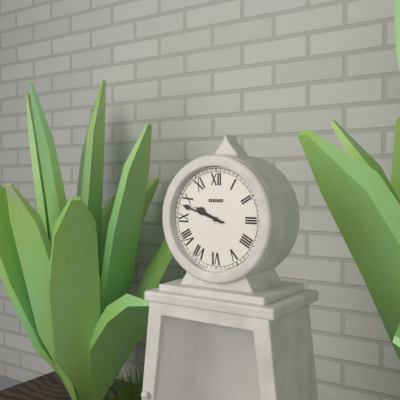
9:48
